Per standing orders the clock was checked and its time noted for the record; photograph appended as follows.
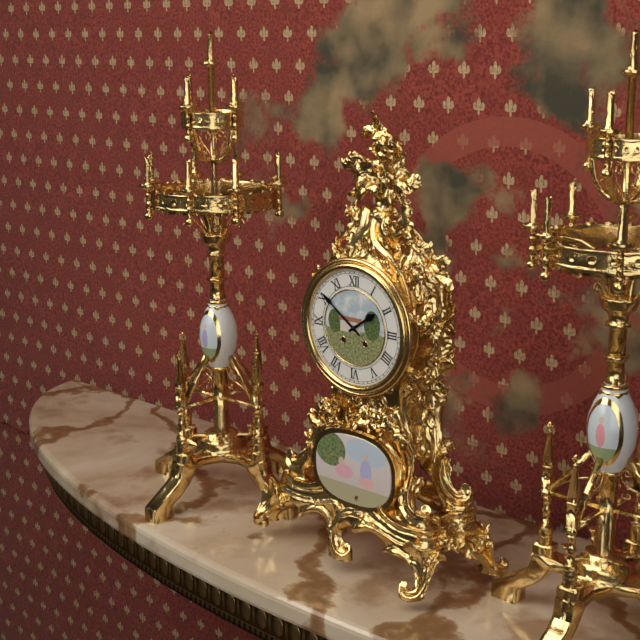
1:51
